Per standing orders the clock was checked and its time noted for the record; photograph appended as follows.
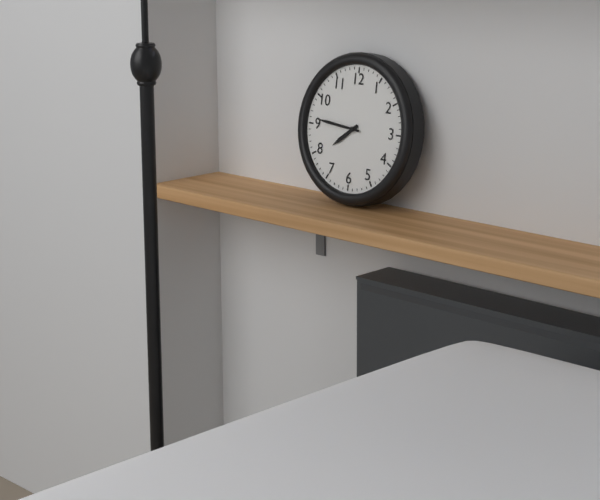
7:46
